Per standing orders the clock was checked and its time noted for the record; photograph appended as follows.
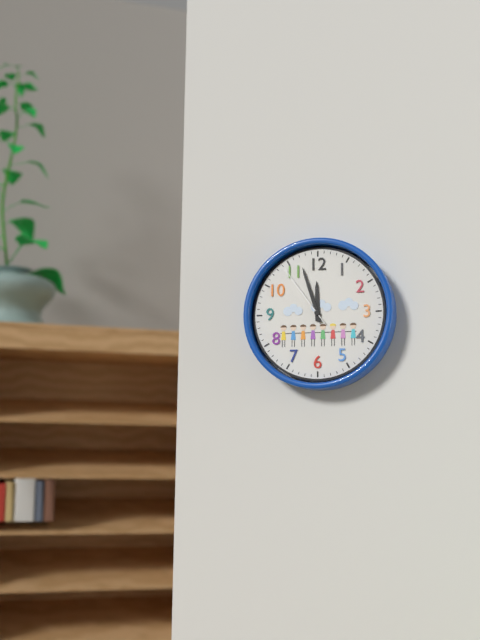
11:57:54
